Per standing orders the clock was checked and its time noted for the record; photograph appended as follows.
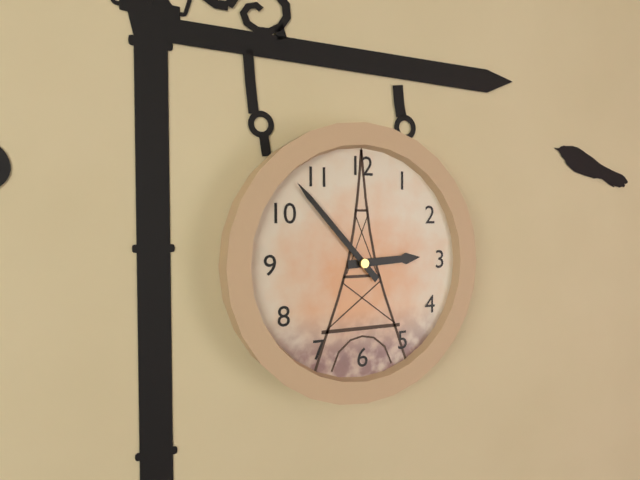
2:53
